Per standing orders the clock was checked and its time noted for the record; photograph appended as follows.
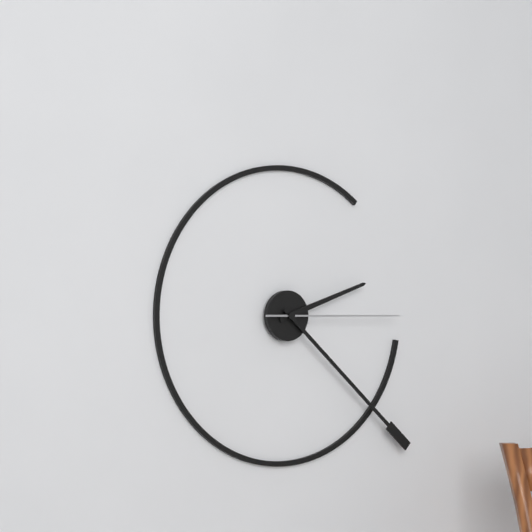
2:22:15
